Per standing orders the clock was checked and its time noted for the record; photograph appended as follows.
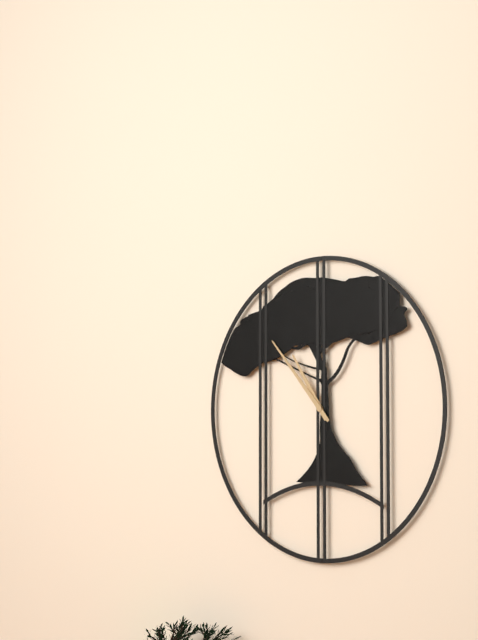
10:53
